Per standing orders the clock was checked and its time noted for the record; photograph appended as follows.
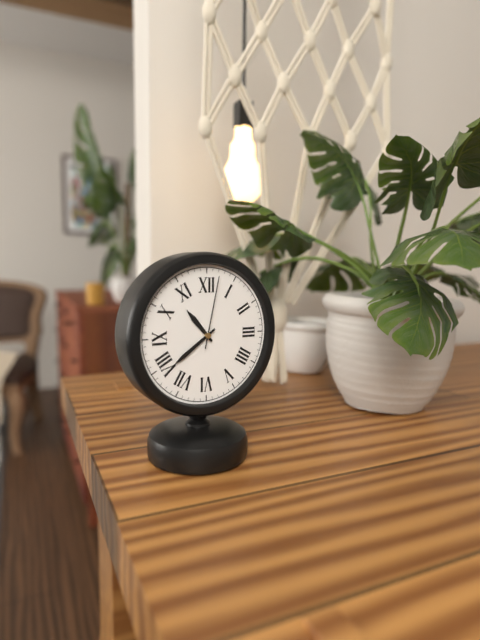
10:39:02
